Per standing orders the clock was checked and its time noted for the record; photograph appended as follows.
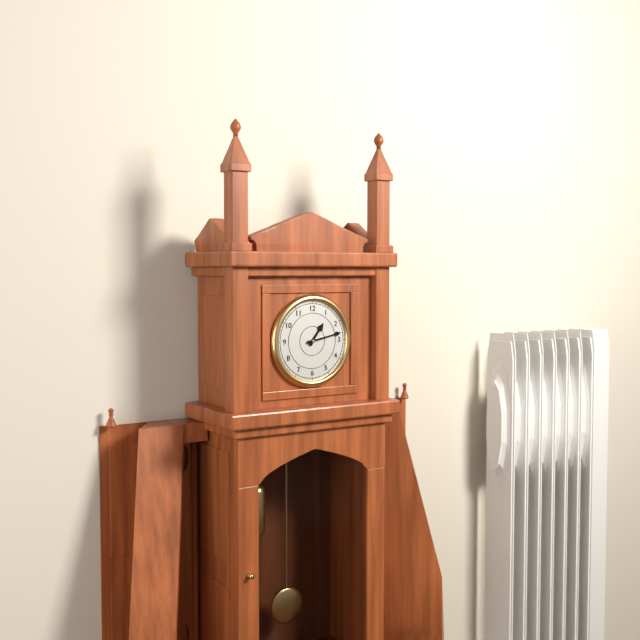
1:13
